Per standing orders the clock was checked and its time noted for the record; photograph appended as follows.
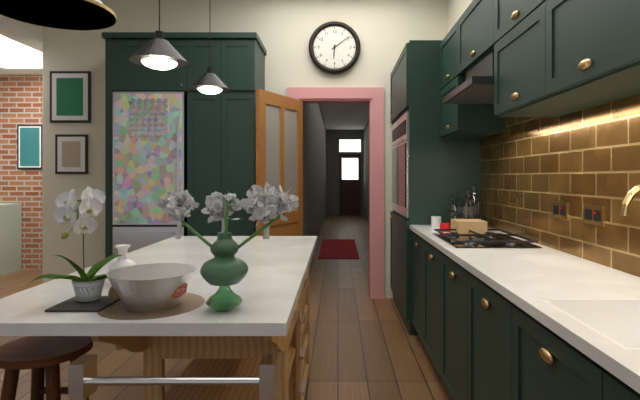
6:09
